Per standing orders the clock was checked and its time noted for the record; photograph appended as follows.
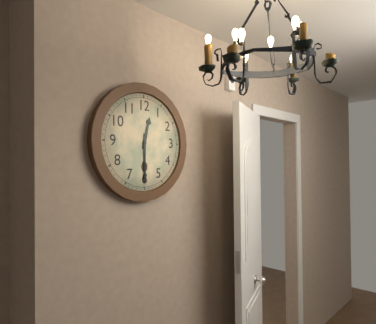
12:30
